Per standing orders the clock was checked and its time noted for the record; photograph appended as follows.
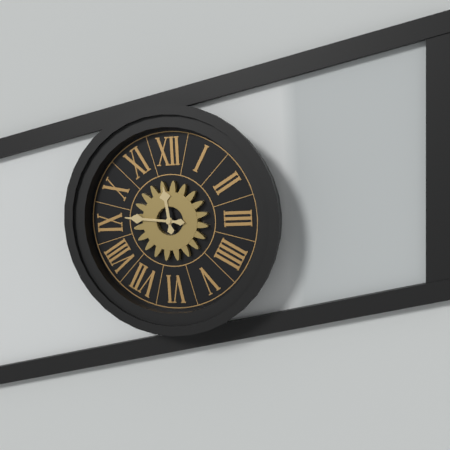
11:46
